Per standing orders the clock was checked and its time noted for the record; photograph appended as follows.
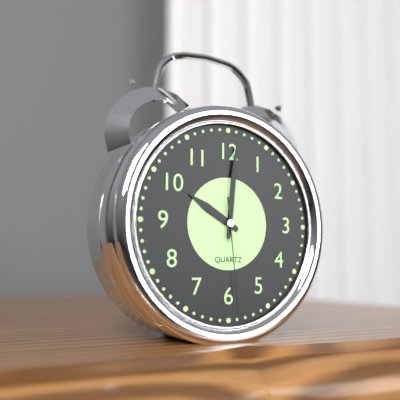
10:01:29
